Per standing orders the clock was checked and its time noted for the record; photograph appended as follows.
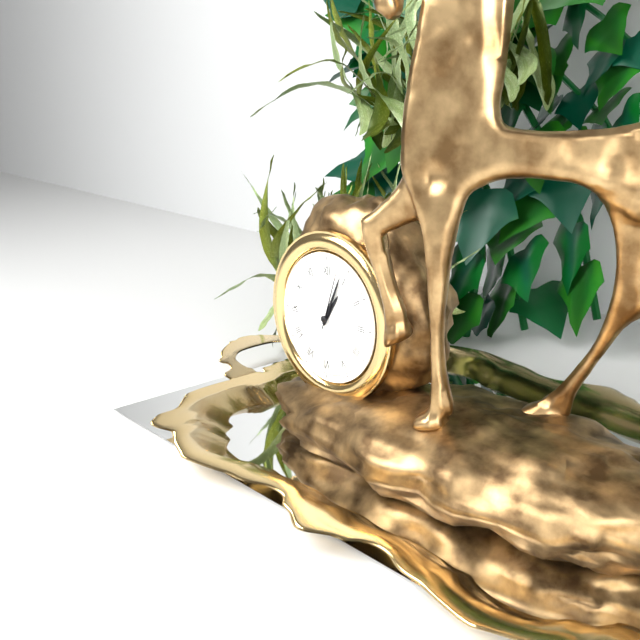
1:04:03
